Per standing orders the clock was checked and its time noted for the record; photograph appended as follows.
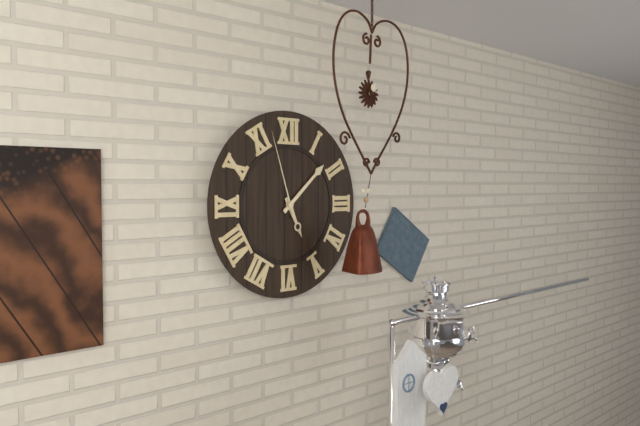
5:08:57
